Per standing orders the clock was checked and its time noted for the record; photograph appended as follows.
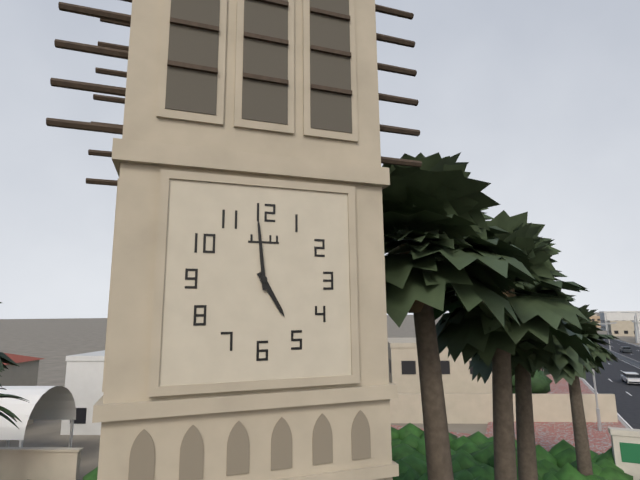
4:59
